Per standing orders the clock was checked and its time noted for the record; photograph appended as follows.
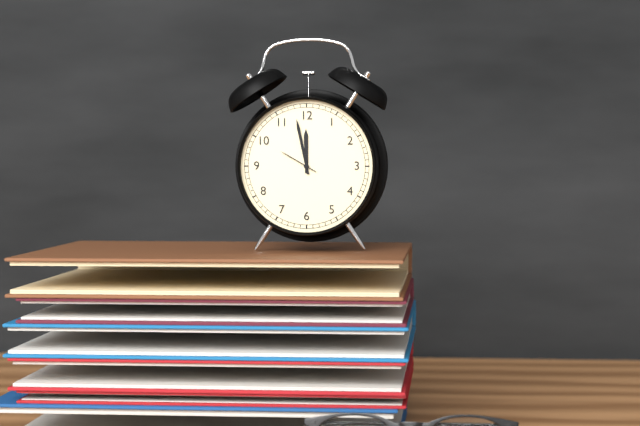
11:58
